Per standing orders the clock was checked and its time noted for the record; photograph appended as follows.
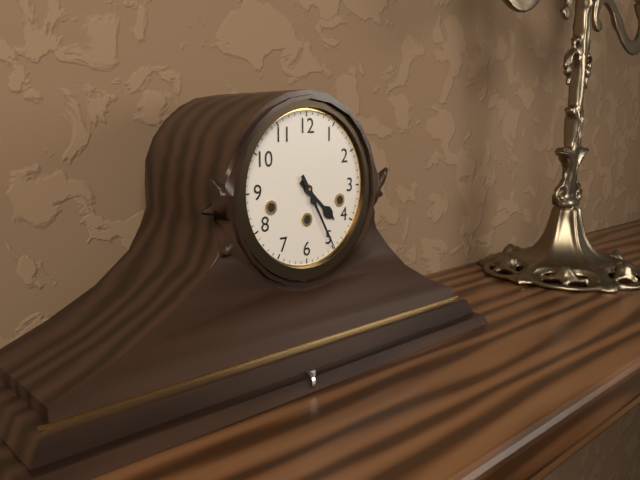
4:25
